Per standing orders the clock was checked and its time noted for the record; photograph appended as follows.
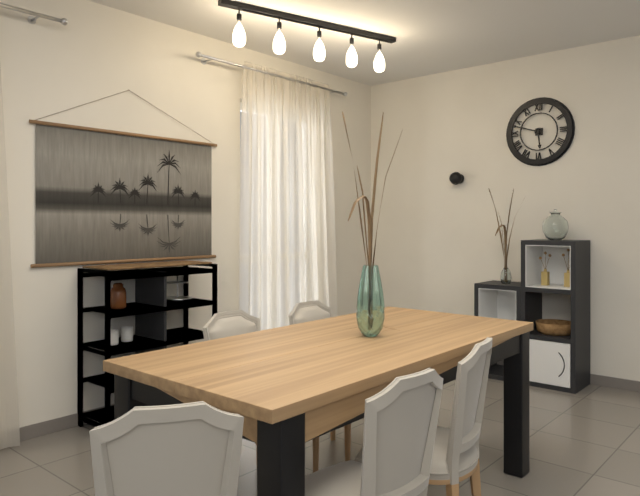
5:48
